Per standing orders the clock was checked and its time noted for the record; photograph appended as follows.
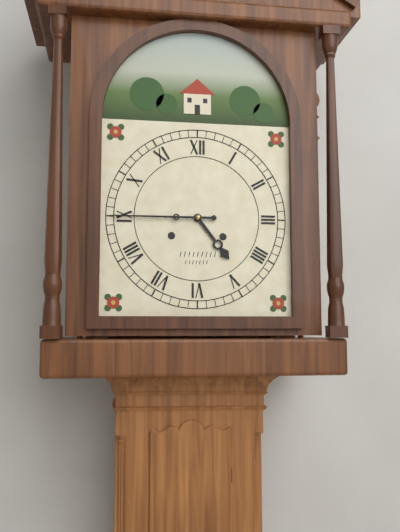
4:45
